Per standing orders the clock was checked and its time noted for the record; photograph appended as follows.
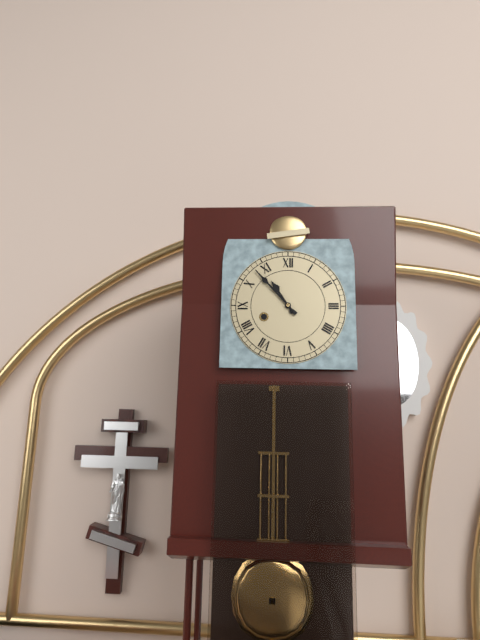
10:53
